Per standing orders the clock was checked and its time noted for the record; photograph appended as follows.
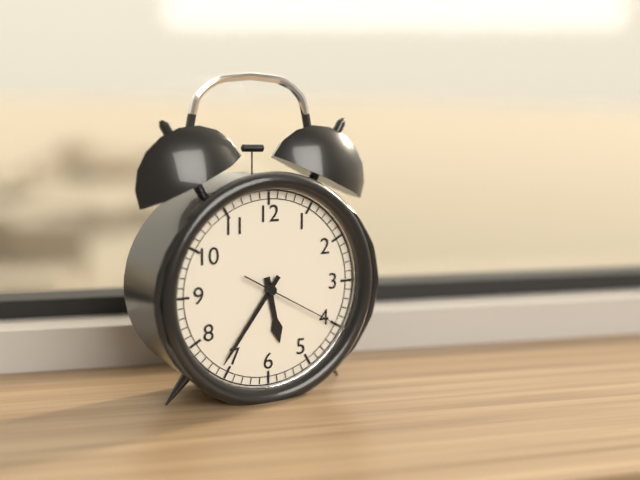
5:36:20
